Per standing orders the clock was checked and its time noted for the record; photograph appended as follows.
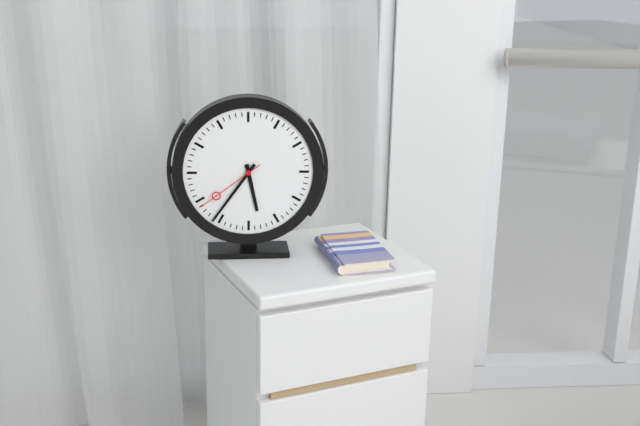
5:36:39
